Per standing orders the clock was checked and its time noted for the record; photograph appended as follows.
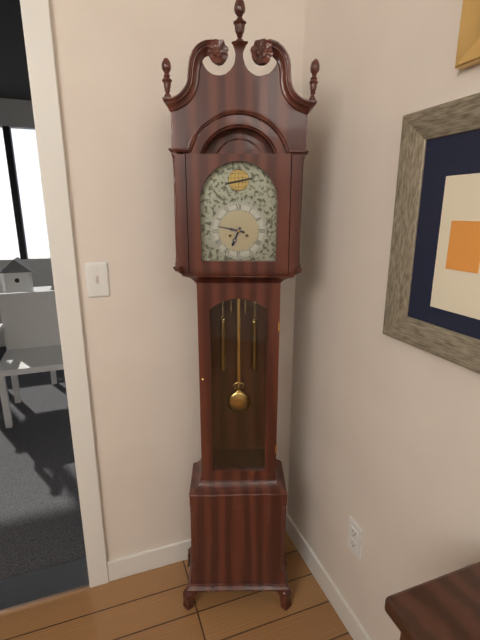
6:47
